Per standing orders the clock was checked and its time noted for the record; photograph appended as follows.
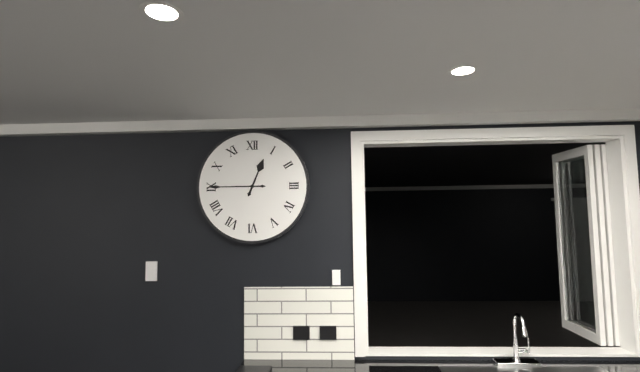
12:45
